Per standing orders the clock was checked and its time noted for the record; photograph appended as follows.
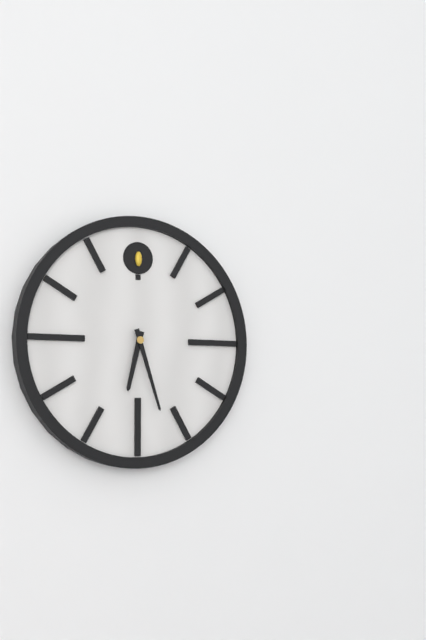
6:27
